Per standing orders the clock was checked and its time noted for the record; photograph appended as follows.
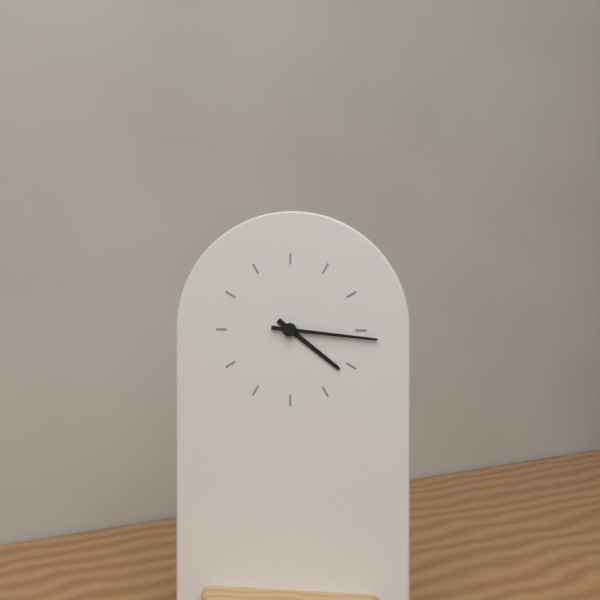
4:16
